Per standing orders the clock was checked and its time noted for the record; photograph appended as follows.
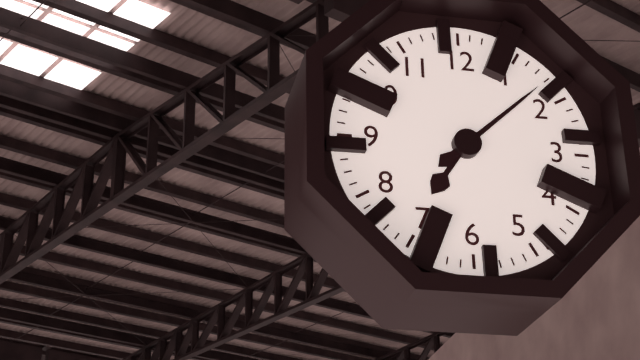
7:08
